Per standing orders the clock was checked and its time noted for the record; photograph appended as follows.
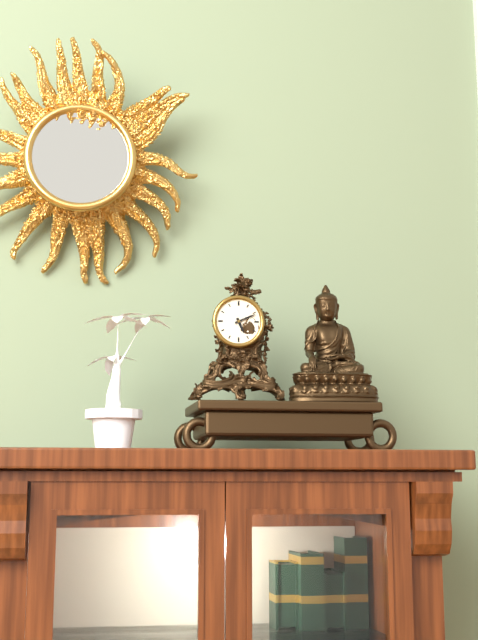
5:11
